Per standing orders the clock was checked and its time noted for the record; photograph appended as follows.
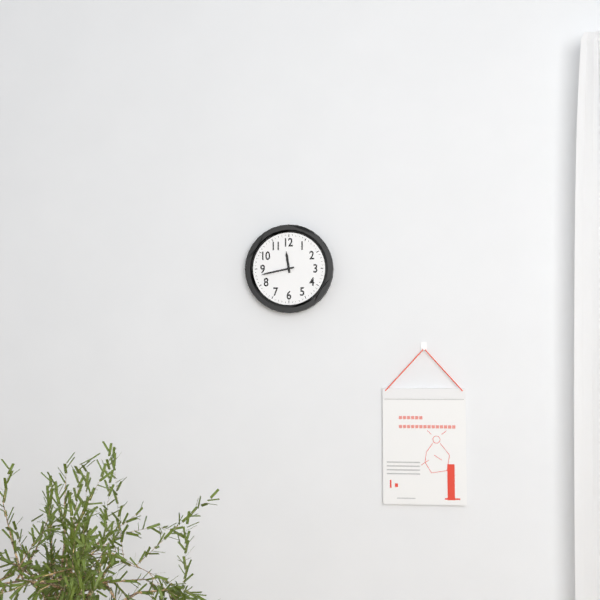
11:43
